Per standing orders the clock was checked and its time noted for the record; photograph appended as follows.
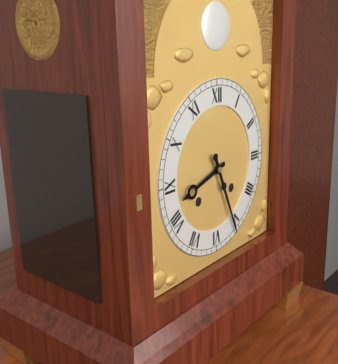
8:26
